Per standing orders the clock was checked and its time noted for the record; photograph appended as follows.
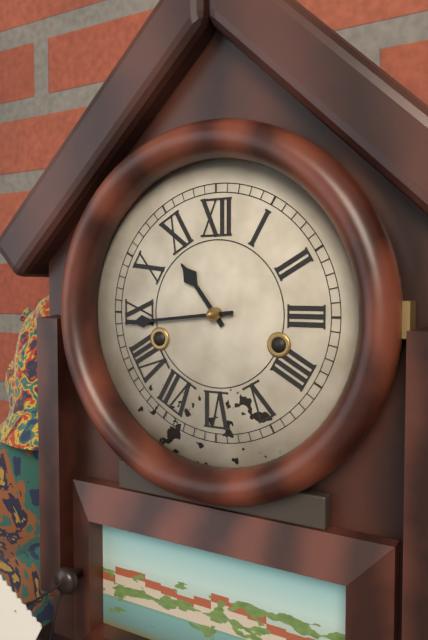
10:44
